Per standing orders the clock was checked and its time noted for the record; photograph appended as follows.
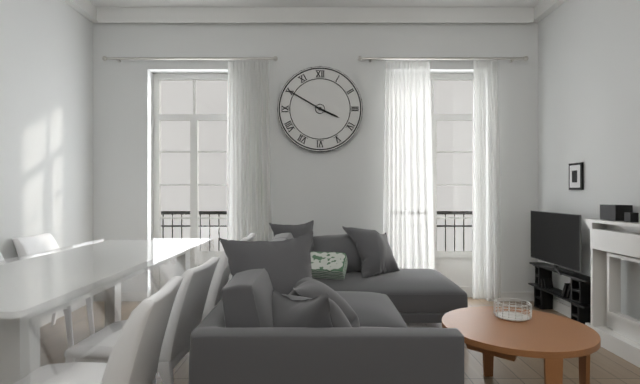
3:50
